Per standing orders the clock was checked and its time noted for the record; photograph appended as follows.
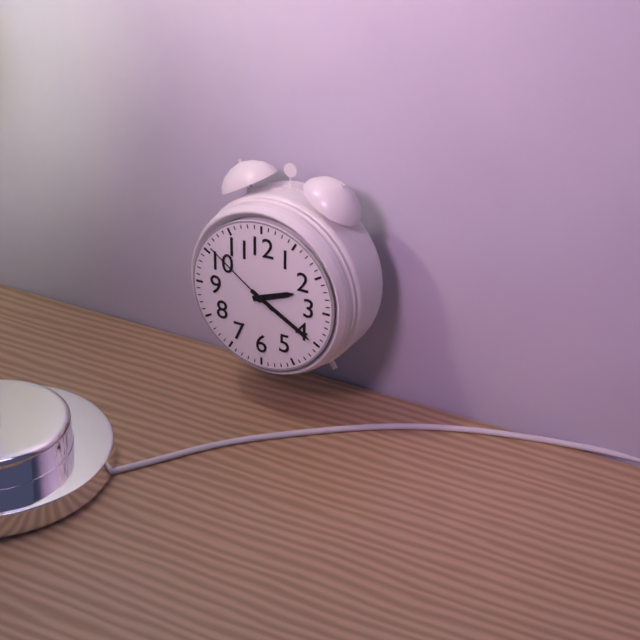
2:20:51
